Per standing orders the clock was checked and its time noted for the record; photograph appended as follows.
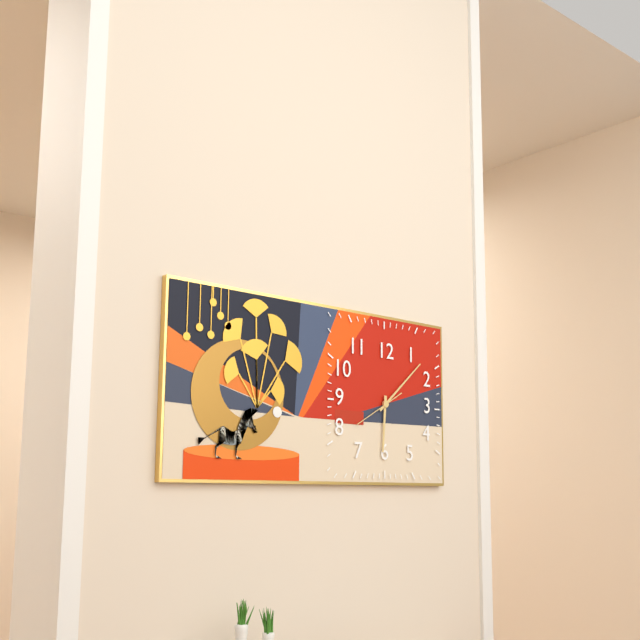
6:08
